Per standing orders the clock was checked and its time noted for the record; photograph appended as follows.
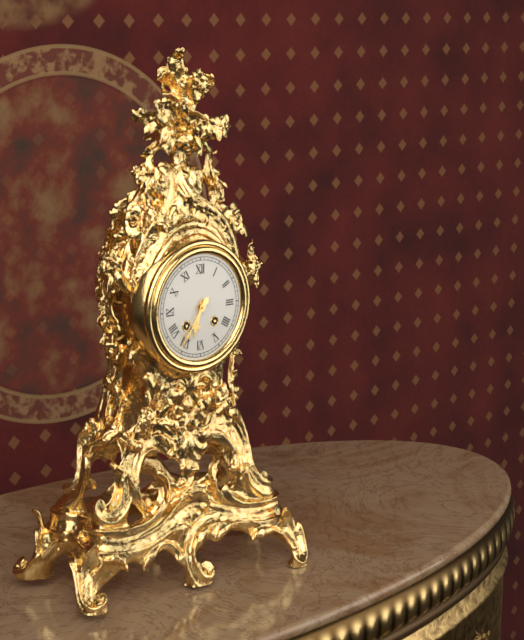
6:36
